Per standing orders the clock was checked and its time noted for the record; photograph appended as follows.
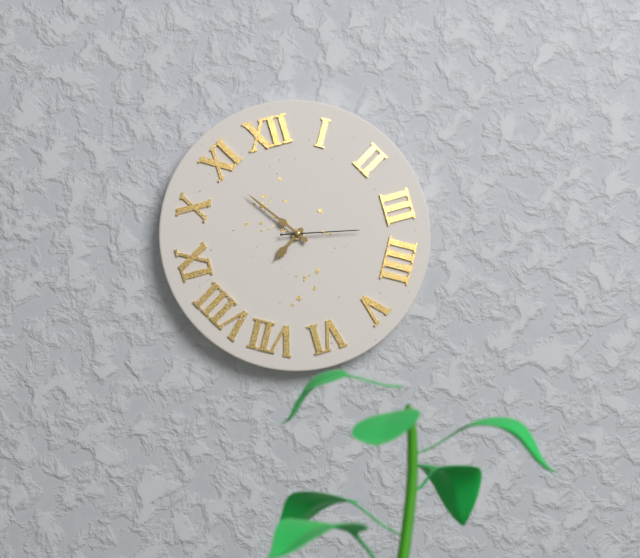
7:54:17
